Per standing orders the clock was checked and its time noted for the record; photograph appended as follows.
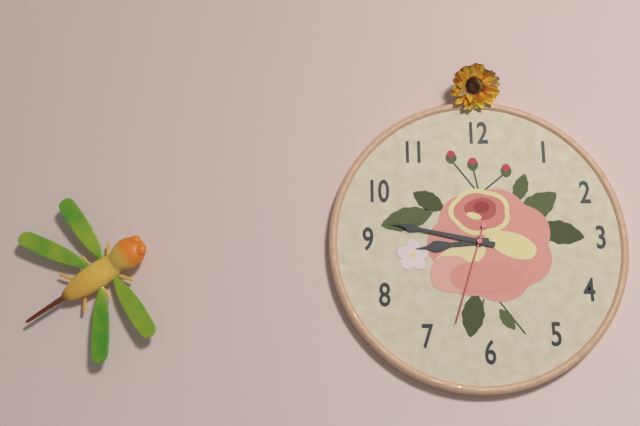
8:47:33
